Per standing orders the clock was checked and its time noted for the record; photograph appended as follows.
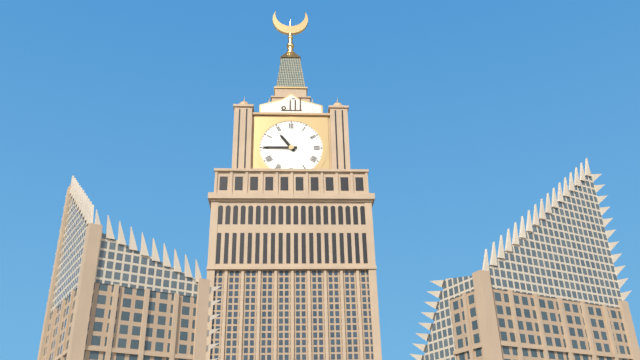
10:45
